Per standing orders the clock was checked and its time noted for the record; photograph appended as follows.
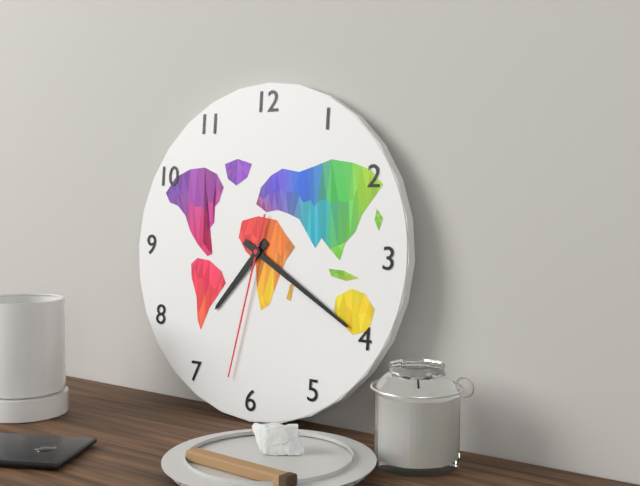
7:20:32
